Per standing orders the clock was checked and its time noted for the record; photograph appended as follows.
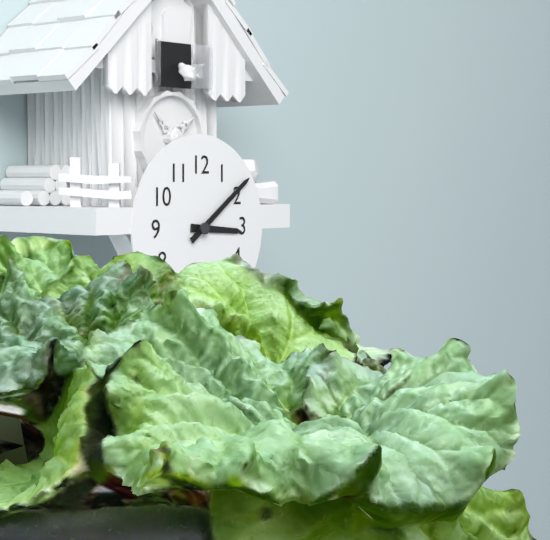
3:09
